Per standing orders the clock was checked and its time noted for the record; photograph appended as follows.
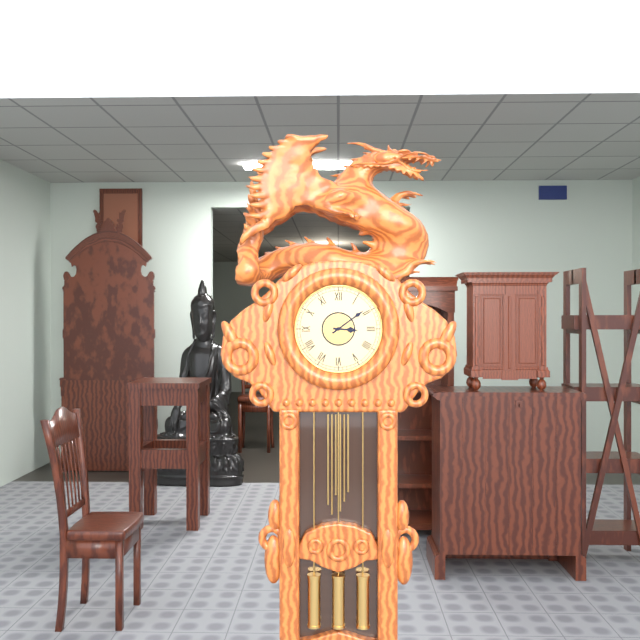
3:09
